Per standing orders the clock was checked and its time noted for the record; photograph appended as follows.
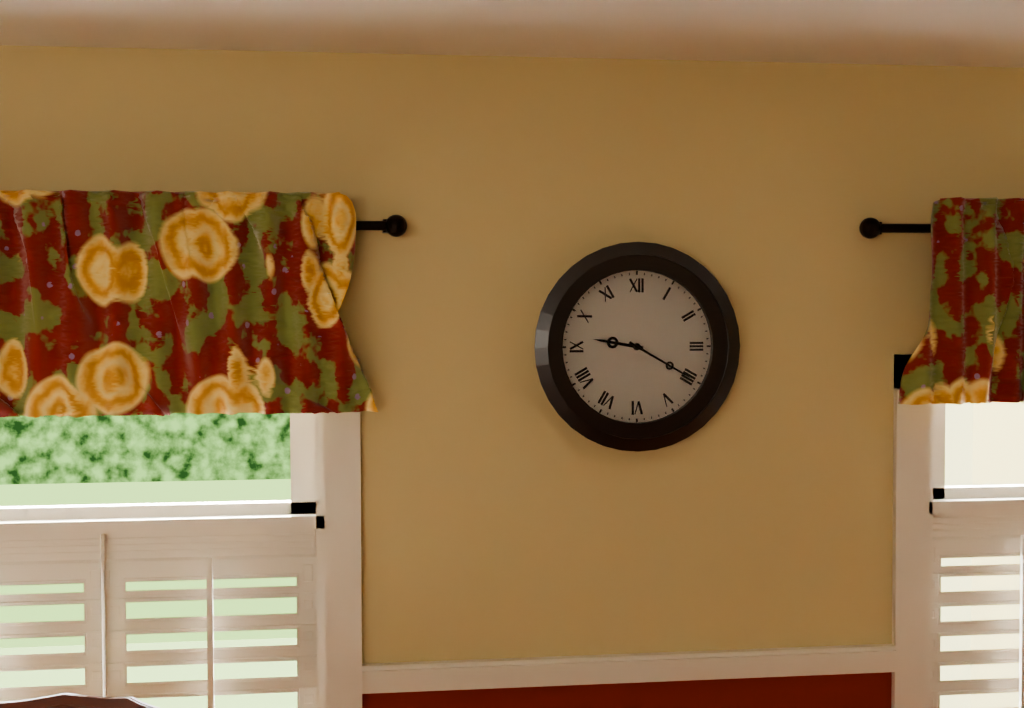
9:20
